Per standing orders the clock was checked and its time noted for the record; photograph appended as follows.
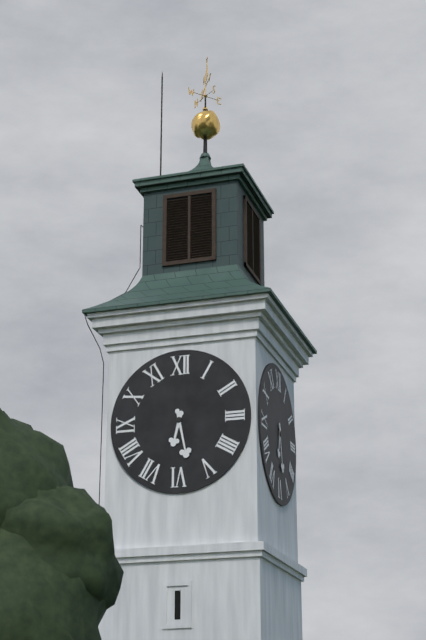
6:28
